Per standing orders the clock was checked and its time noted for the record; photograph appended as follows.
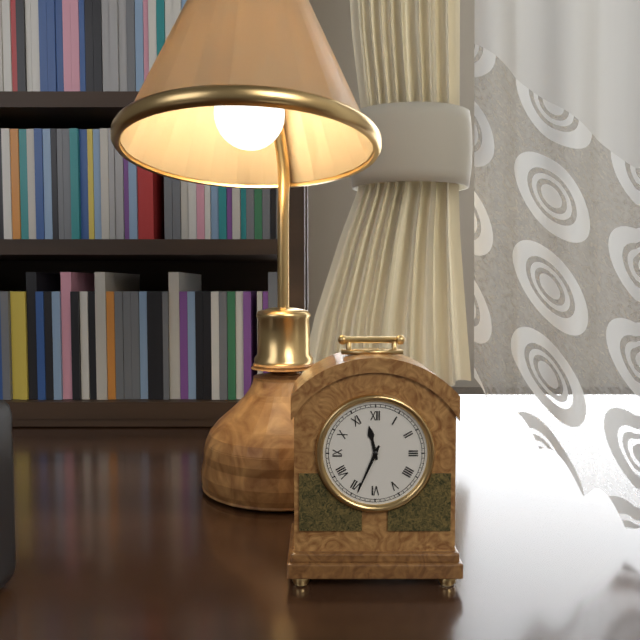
11:34
